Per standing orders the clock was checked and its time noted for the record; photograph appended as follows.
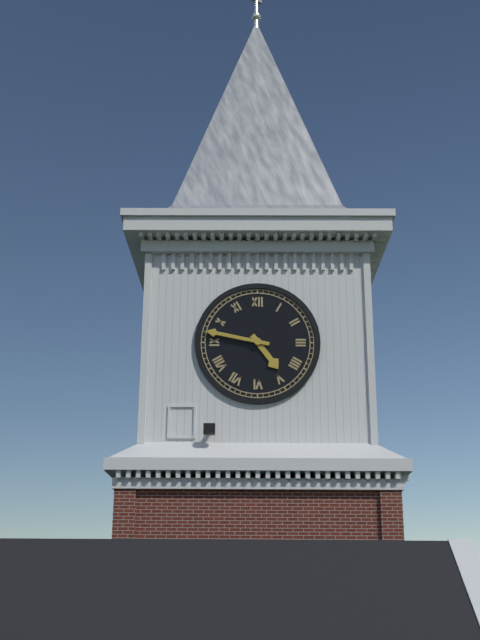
4:47
